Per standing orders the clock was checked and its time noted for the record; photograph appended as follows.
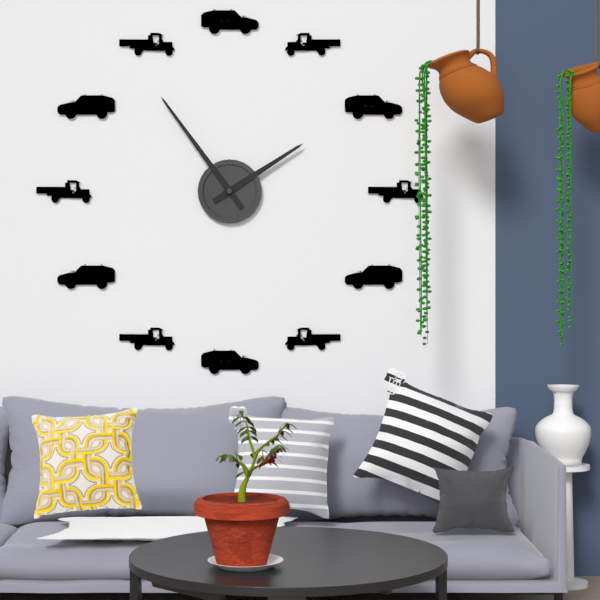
1:54
